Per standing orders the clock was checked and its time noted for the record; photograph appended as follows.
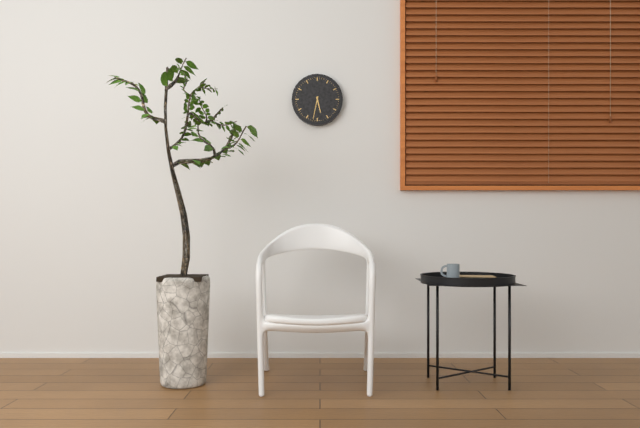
5:32
